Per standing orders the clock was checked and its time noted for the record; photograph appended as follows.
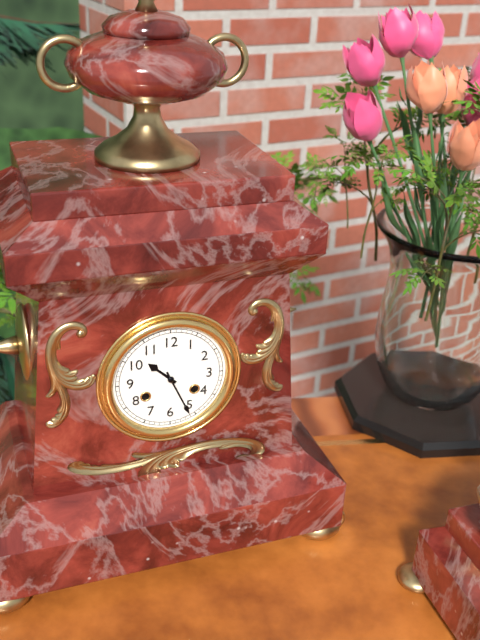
10:26
